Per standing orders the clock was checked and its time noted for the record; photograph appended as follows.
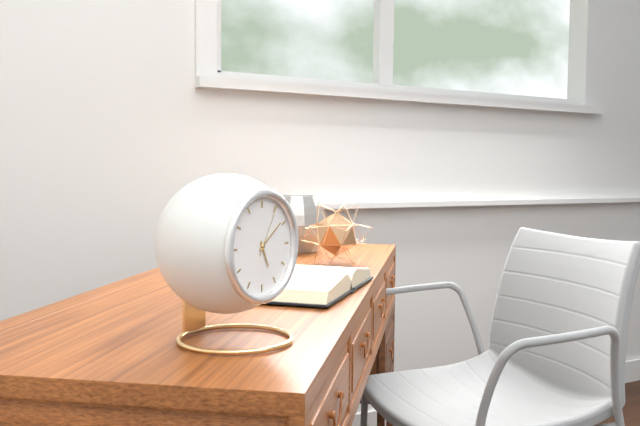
5:09:05
